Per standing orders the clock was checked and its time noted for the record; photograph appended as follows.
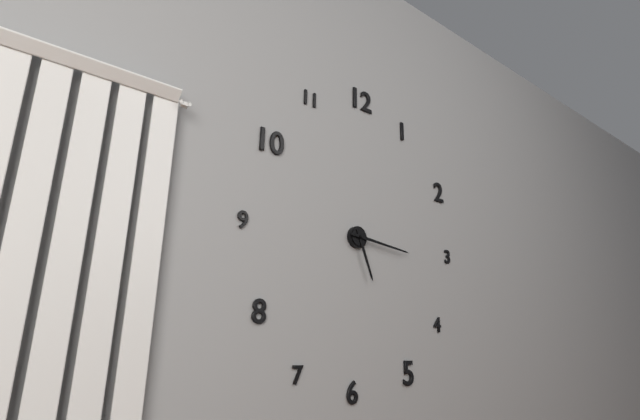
5:16
